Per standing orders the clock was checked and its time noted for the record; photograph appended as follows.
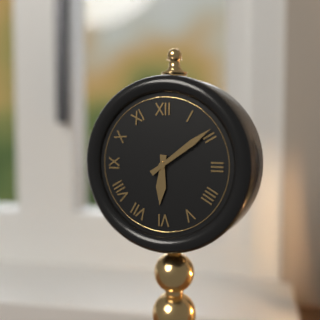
6:09
